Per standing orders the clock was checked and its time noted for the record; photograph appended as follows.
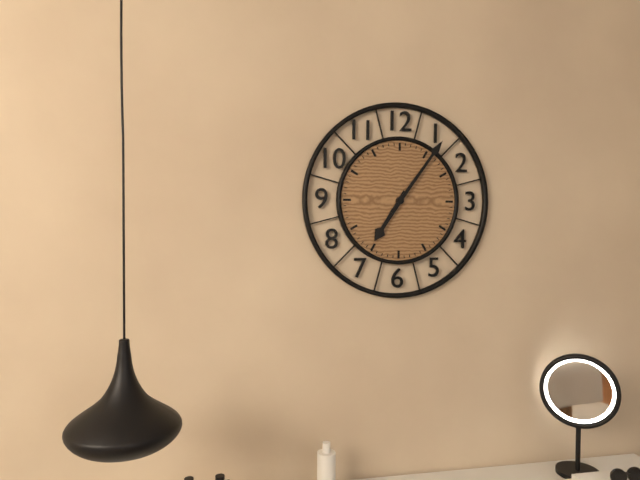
7:06
